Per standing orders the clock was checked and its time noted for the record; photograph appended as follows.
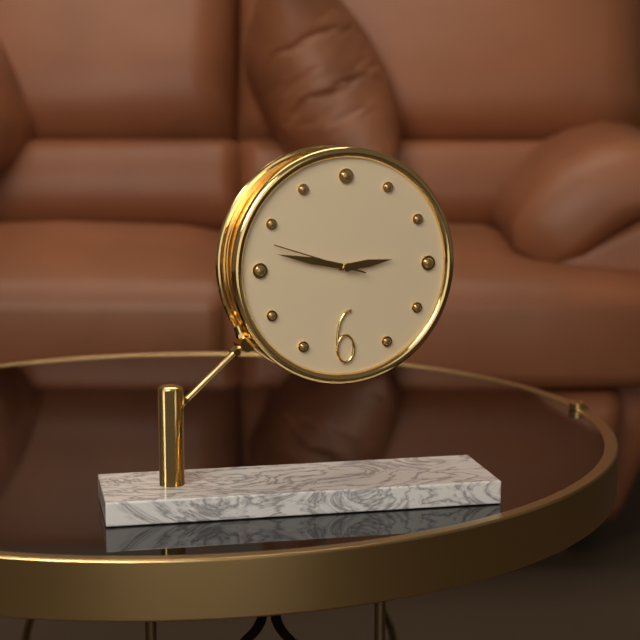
2:47:48
